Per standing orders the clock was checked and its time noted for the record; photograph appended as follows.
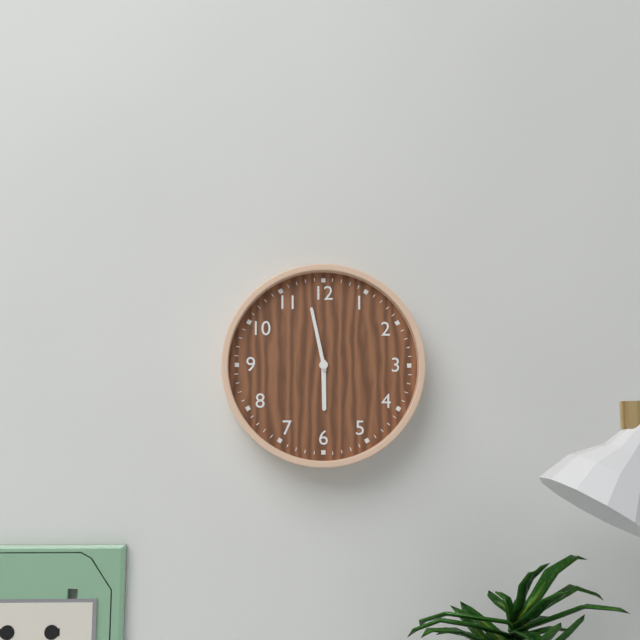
5:58
